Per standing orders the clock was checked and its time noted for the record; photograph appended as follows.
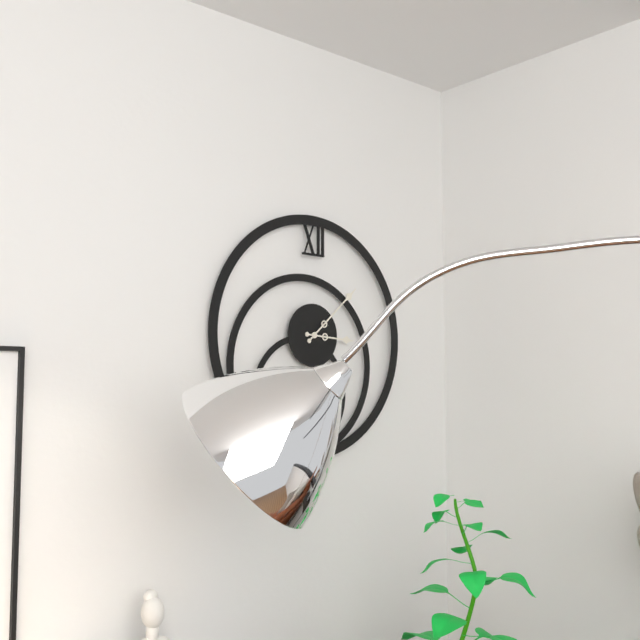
3:08
